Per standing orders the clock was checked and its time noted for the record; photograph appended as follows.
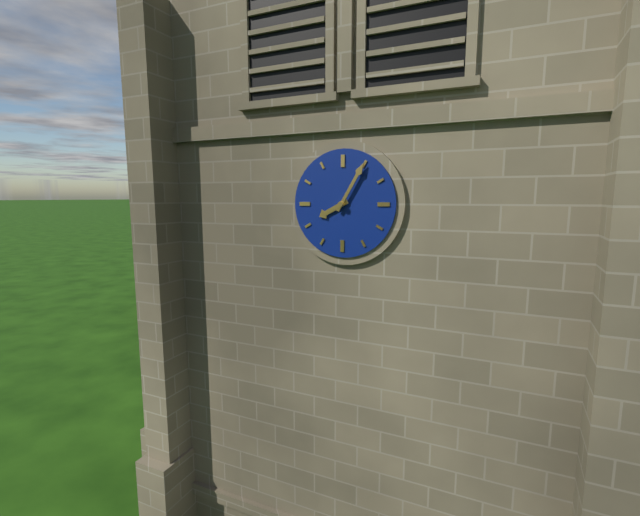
8:05
